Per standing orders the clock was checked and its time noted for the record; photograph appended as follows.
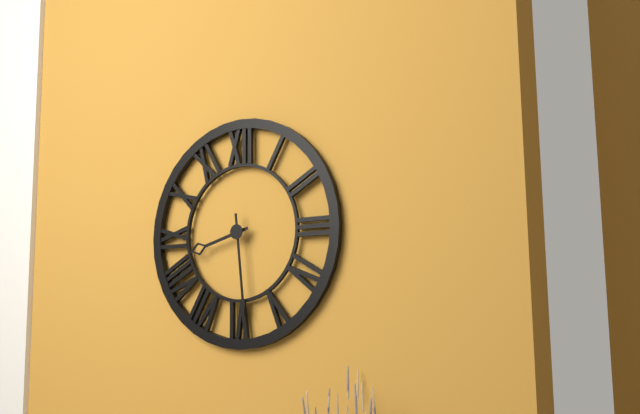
8:29
